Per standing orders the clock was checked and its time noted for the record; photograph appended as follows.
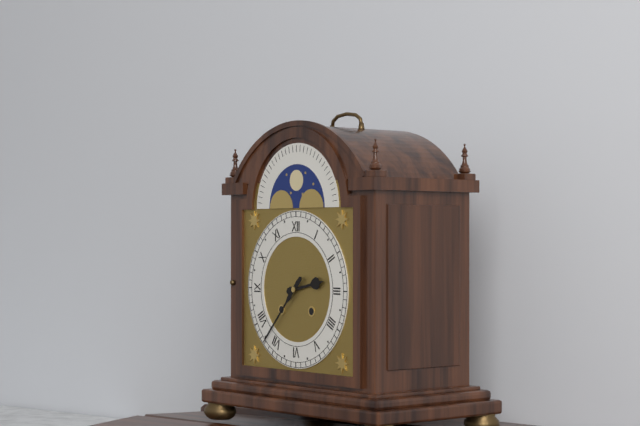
2:37
